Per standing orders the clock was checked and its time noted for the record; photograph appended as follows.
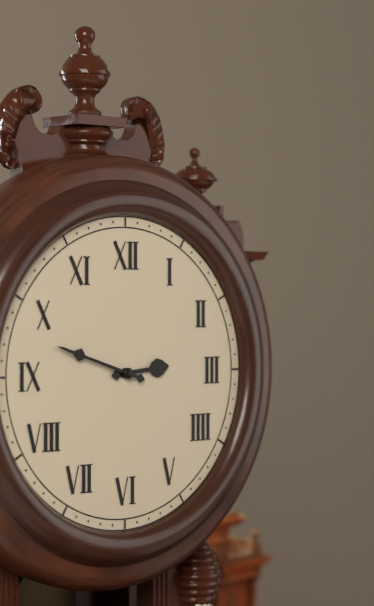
2:48
